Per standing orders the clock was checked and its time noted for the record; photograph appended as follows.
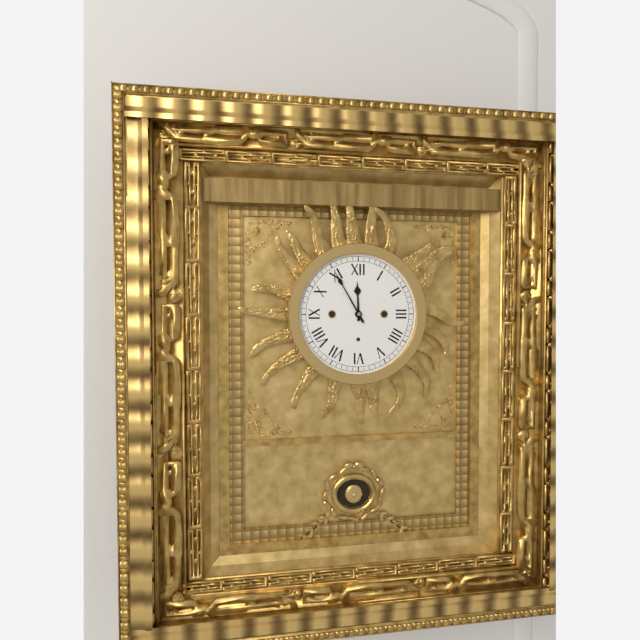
11:55
